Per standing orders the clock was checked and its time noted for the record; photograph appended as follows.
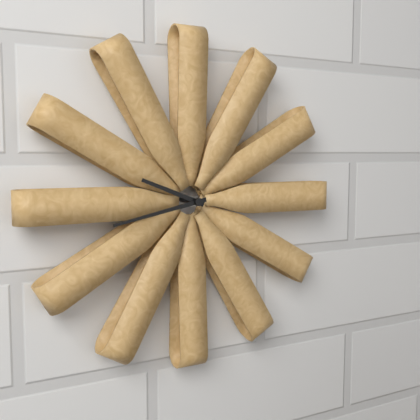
9:43
